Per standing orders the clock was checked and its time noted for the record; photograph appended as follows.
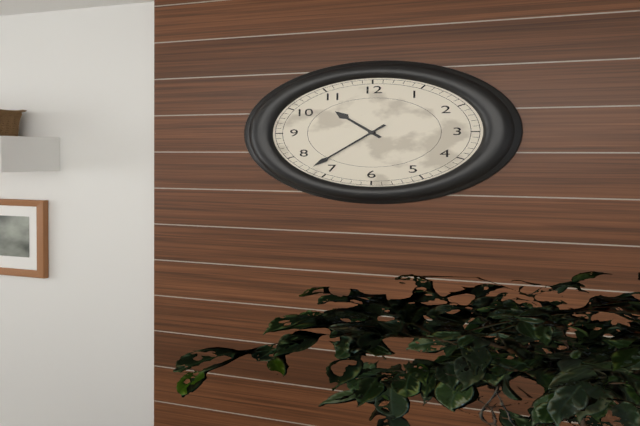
10:37
